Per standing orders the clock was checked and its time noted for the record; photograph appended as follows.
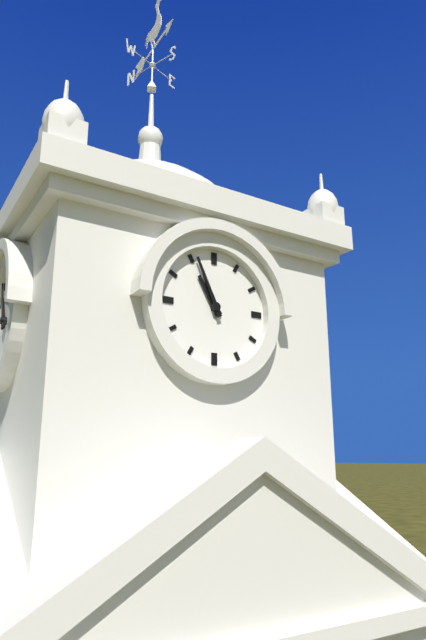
10:56
